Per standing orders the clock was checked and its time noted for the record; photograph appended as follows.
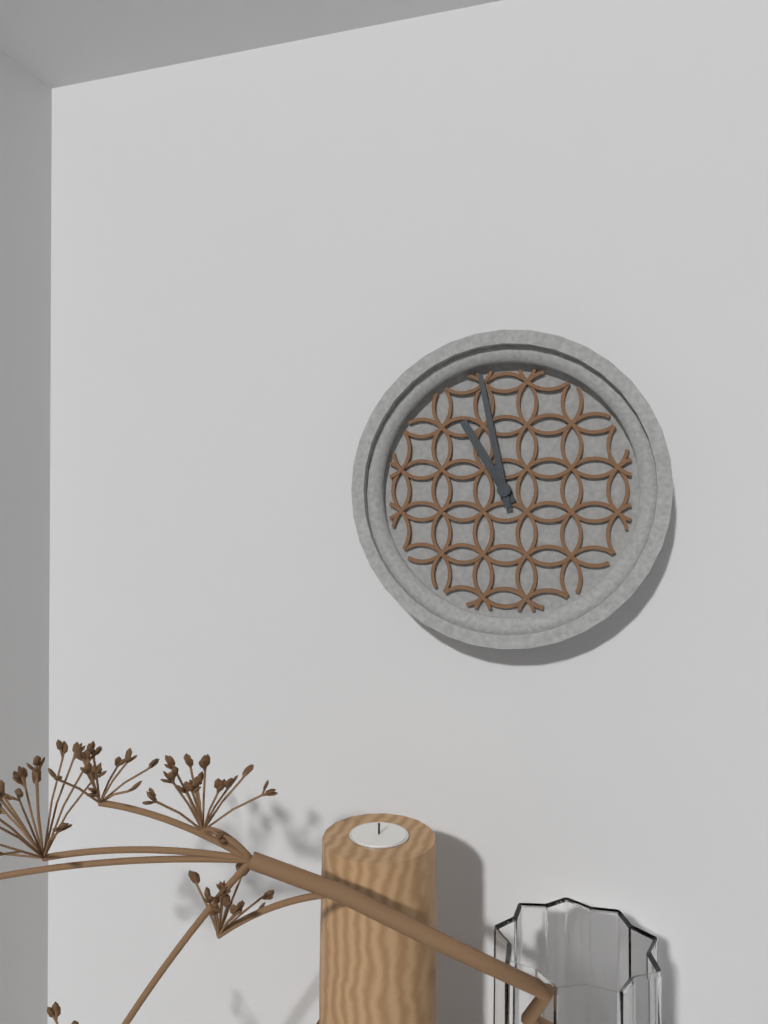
10:58
